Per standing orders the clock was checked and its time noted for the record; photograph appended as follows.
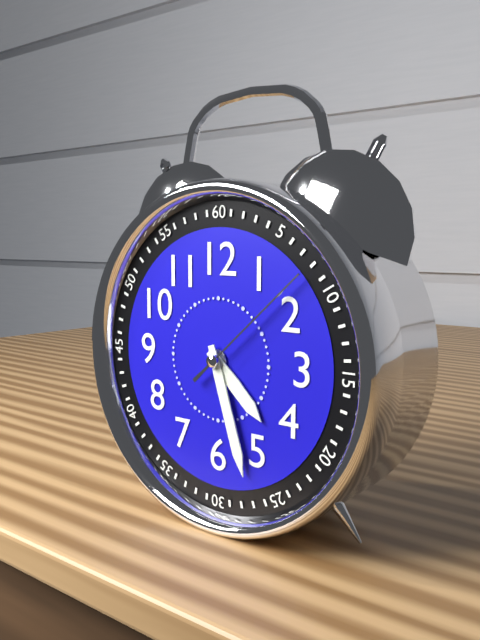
4:27:08
